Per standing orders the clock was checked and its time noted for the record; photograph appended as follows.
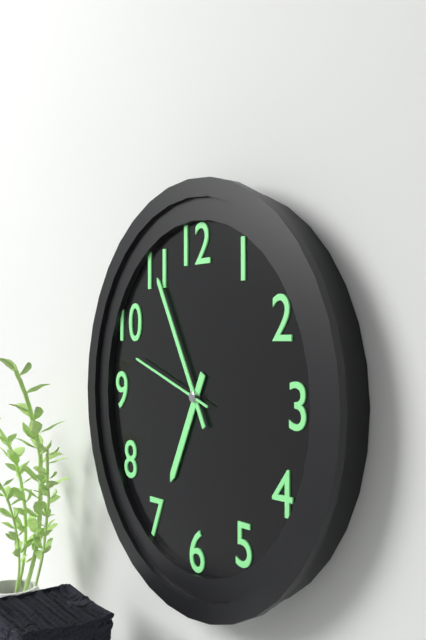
6:55:48
